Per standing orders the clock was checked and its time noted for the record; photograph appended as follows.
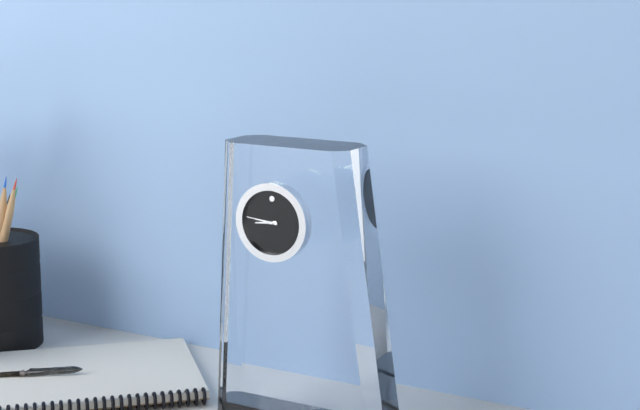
8:46
